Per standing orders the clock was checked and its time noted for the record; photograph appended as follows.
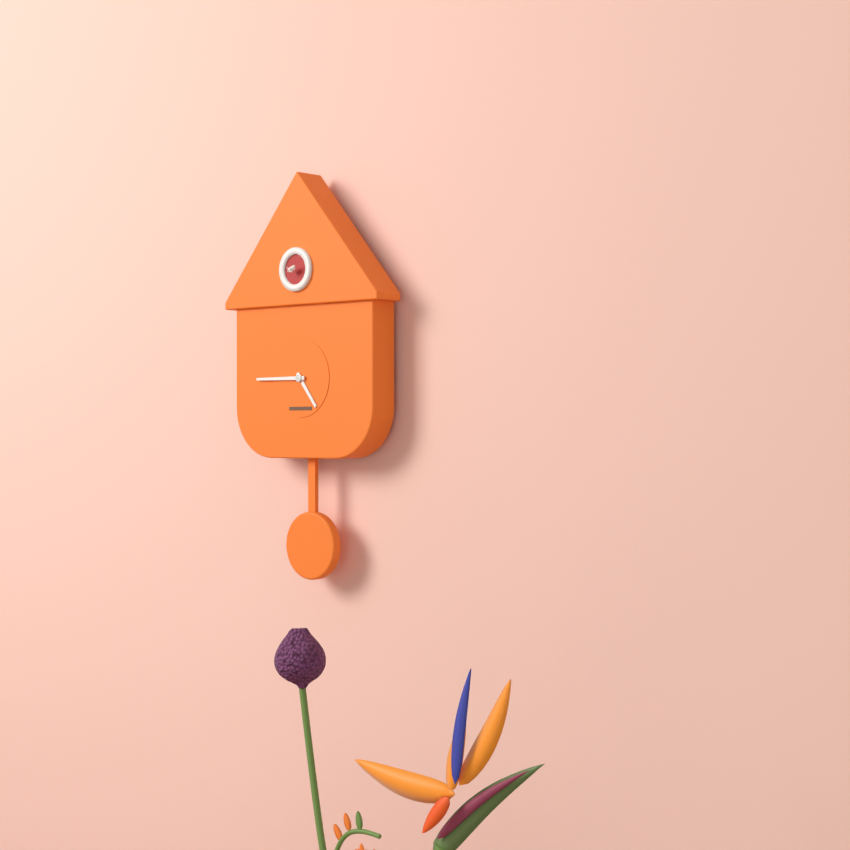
4:45
